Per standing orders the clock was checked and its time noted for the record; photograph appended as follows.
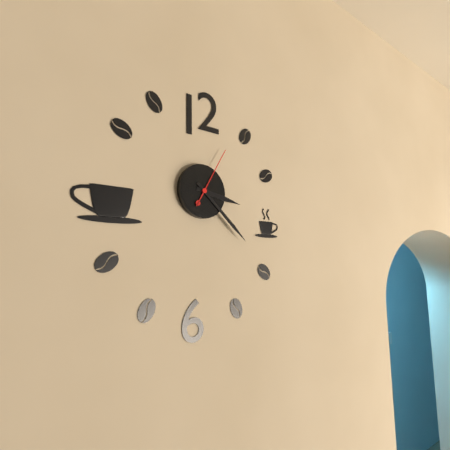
3:22:05
